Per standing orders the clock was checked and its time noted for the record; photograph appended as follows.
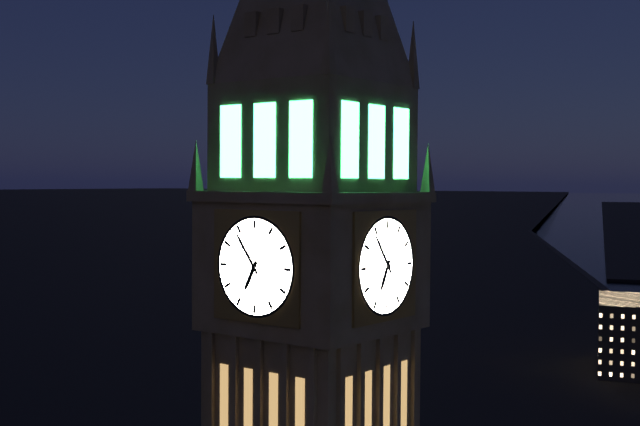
6:54
